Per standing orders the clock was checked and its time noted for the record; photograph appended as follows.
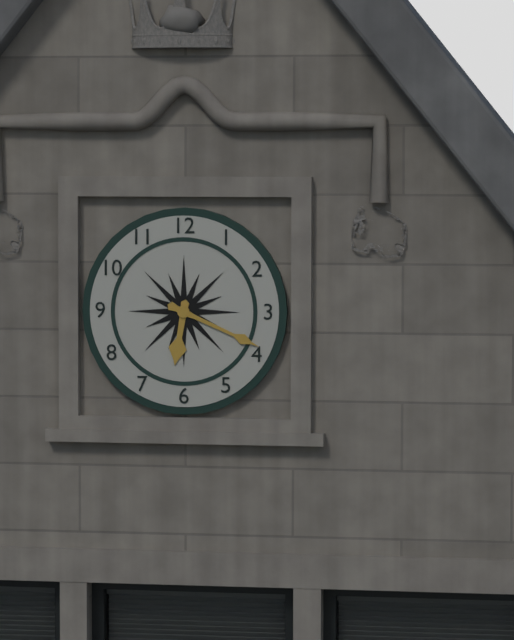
6:19
